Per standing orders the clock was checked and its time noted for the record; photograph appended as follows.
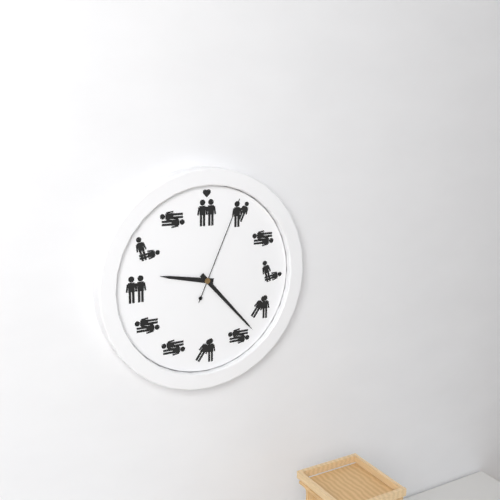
9:23:04
